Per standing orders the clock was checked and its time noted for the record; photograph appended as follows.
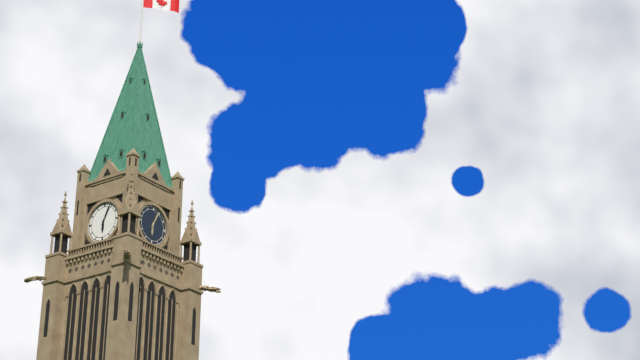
6:04
